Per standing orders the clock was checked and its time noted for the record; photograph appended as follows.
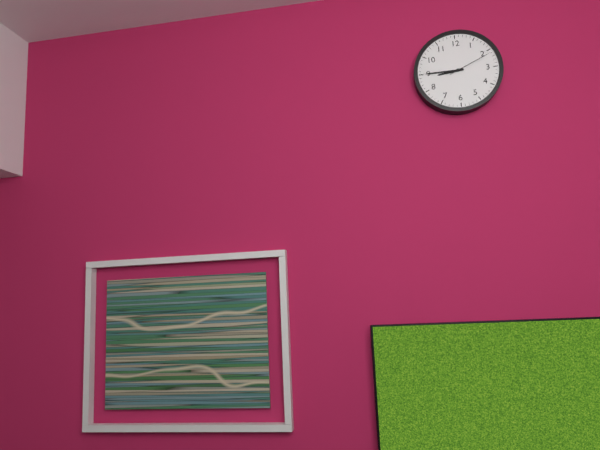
8:45
